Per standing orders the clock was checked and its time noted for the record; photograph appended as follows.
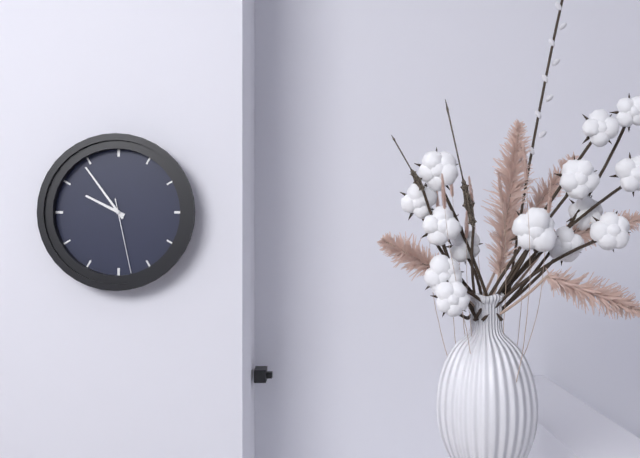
9:54:28
